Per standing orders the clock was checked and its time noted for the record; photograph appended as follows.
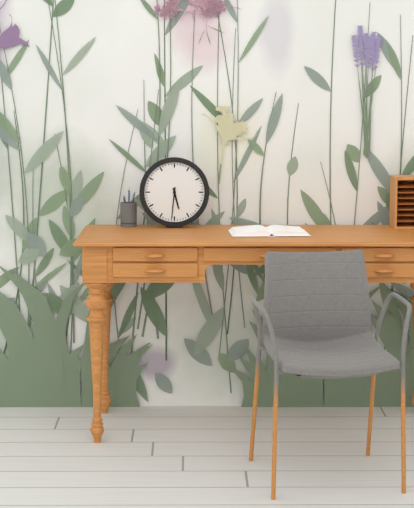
5:31
